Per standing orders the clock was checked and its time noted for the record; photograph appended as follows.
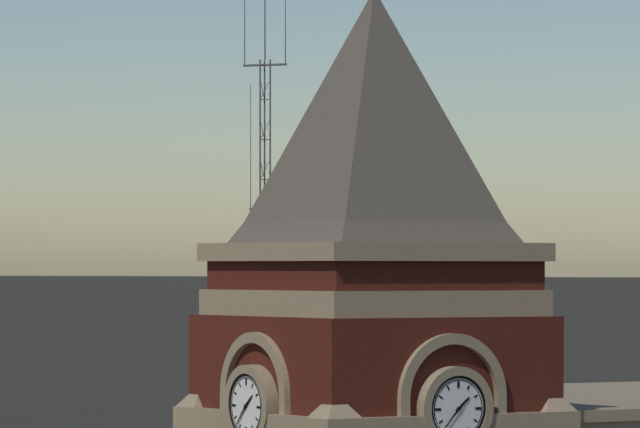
1:37
